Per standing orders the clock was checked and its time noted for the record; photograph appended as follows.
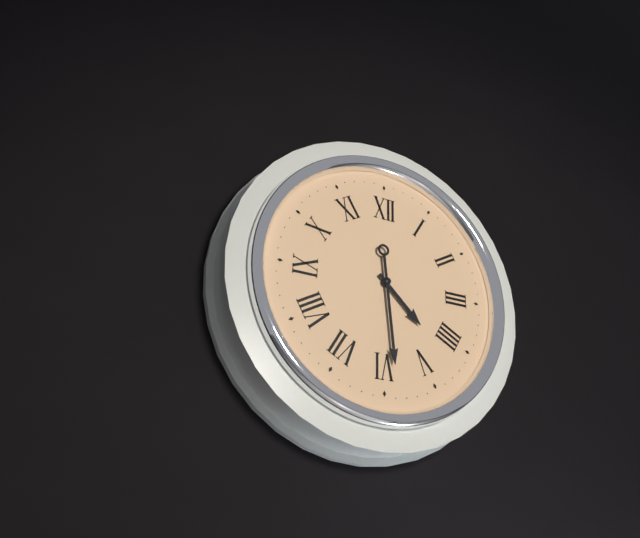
4:29
